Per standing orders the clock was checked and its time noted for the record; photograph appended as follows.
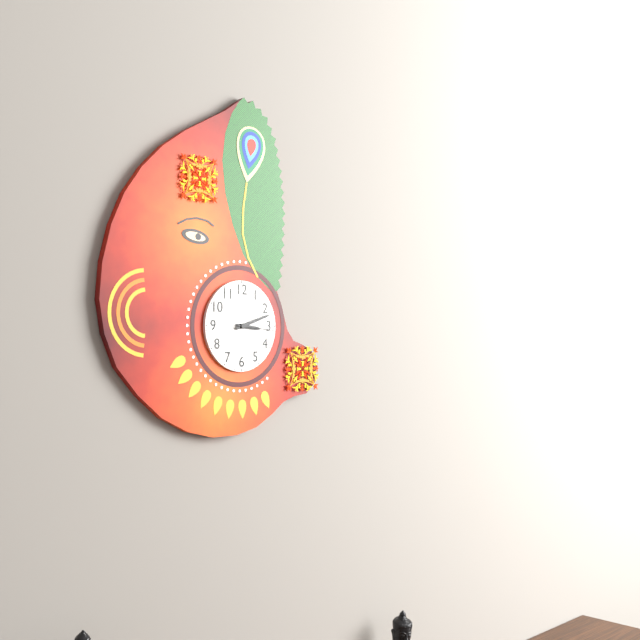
3:12
